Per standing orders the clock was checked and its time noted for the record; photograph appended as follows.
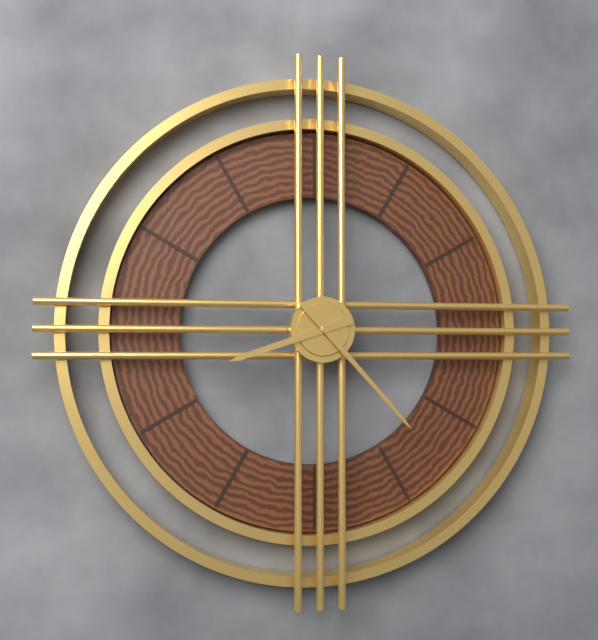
8:23
